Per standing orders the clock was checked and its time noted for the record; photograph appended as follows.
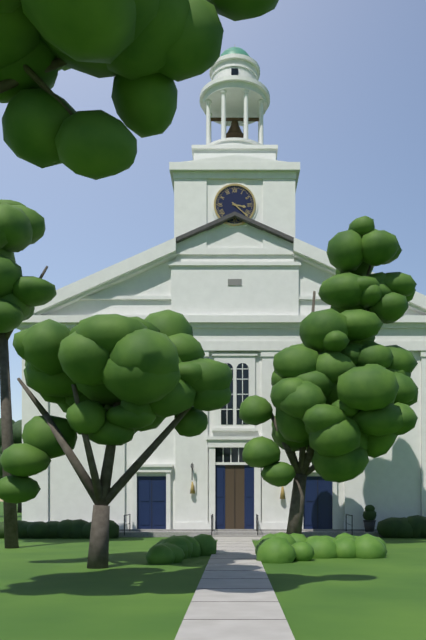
3:22
